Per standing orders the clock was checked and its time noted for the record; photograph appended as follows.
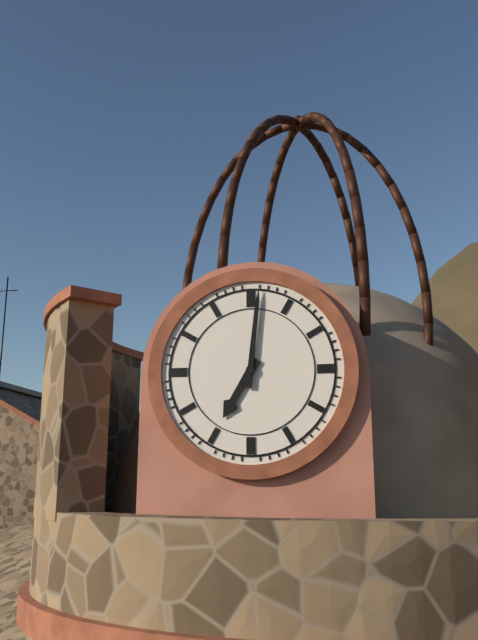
7:01
